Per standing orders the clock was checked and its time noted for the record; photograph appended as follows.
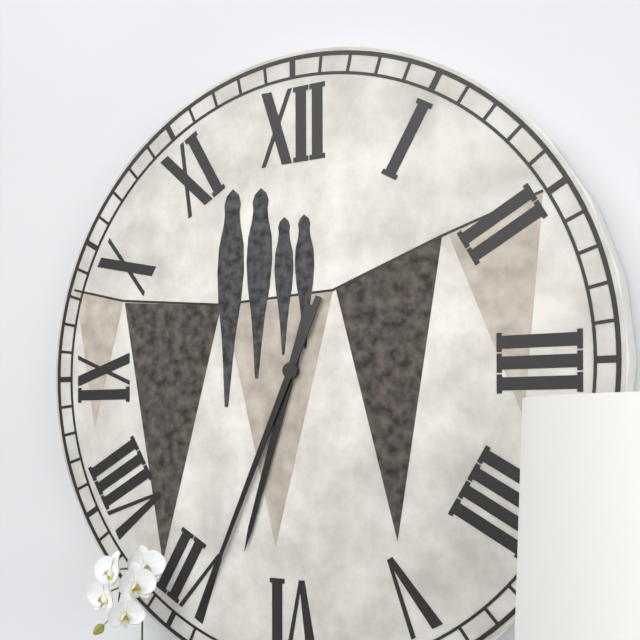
6:34
